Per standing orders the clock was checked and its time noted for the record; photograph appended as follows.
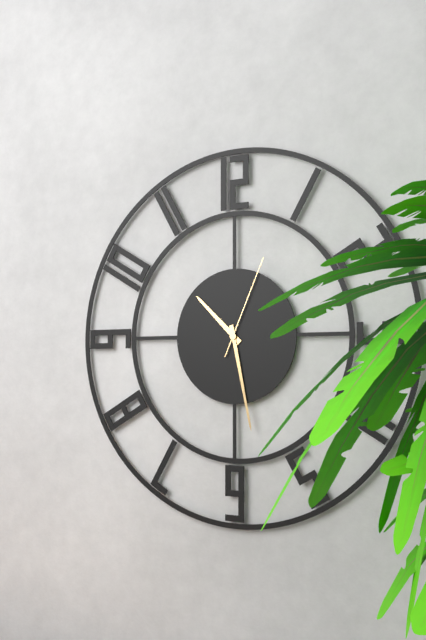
10:28:04
